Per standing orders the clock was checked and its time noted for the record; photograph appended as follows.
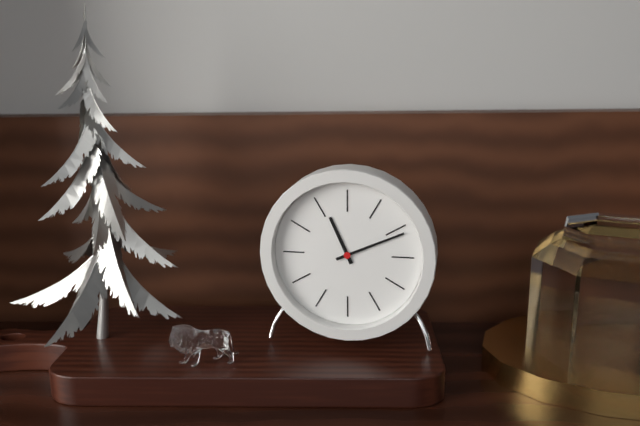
11:11
